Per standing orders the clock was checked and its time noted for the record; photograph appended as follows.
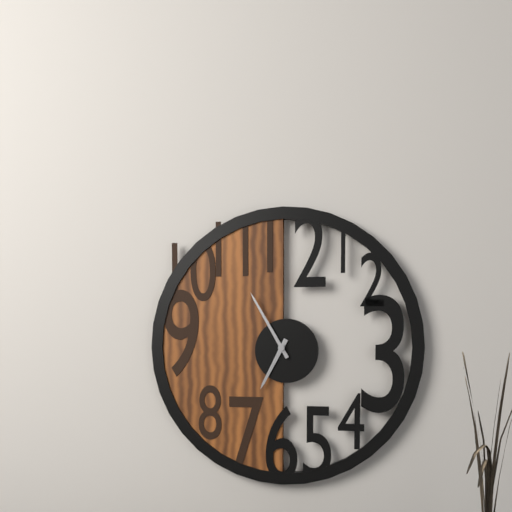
6:55
